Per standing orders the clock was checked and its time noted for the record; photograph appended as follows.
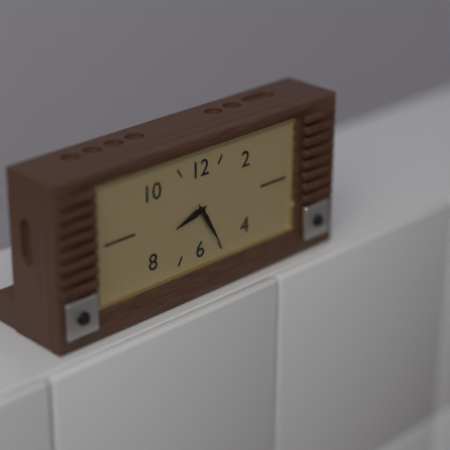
8:25
